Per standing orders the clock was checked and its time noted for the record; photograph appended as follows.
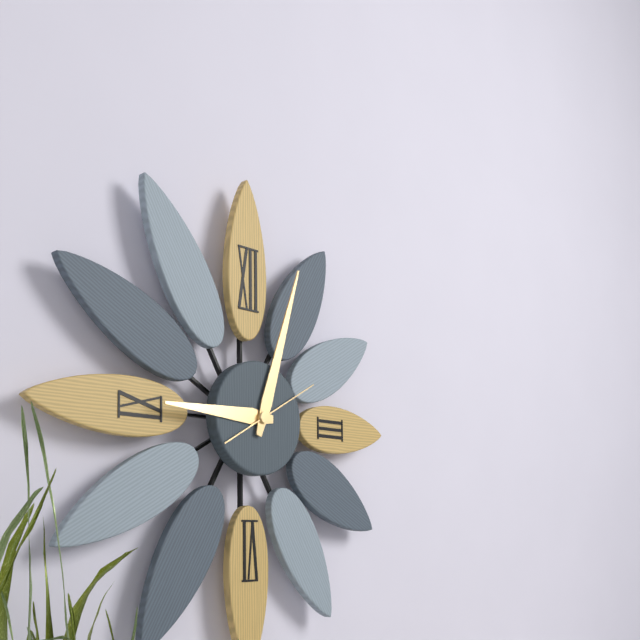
9:03:10
